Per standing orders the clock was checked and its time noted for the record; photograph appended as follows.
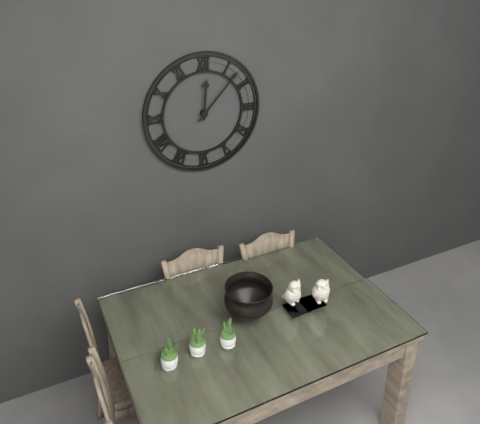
12:07
